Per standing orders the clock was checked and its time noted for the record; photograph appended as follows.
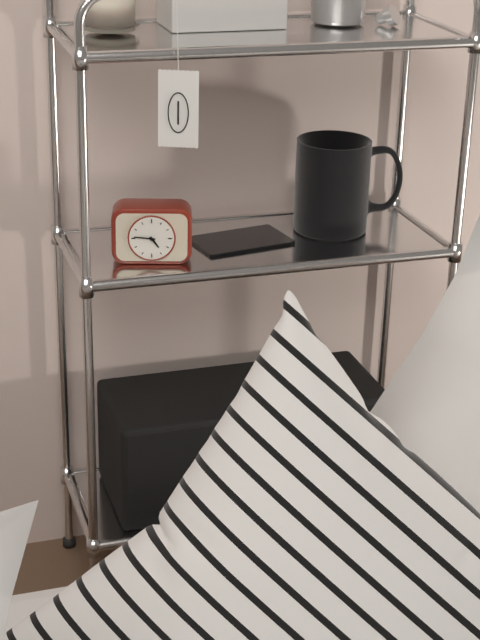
4:46
